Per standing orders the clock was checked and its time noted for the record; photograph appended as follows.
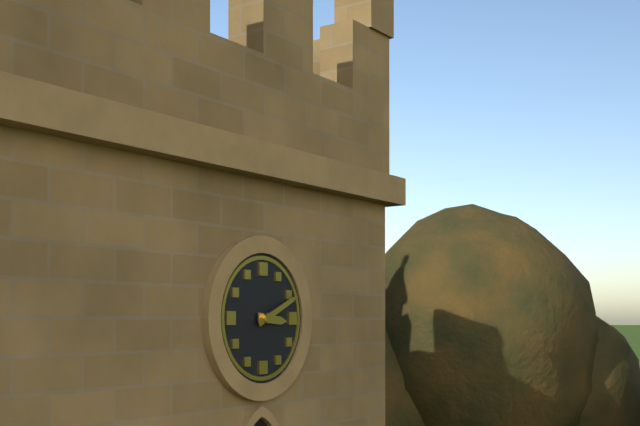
3:11
